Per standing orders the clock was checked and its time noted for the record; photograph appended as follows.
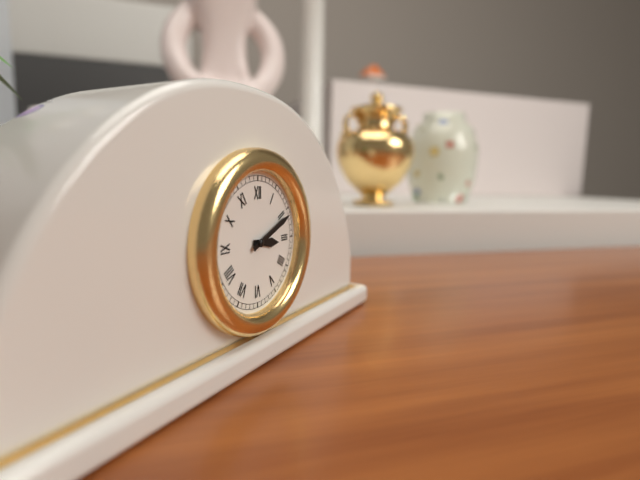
3:11
